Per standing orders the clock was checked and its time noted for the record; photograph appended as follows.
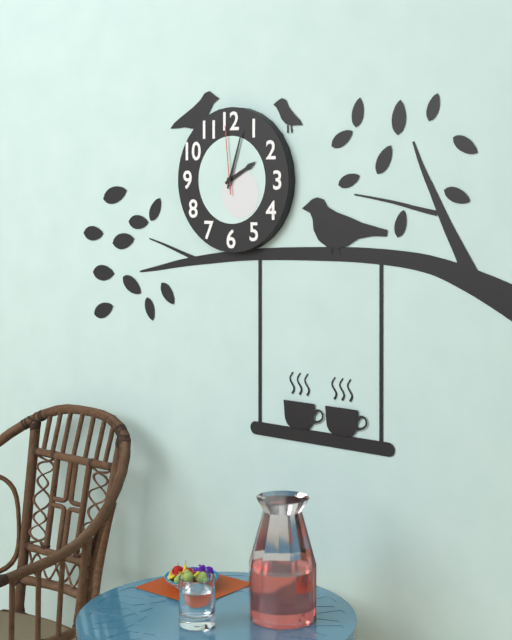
2:03:59
